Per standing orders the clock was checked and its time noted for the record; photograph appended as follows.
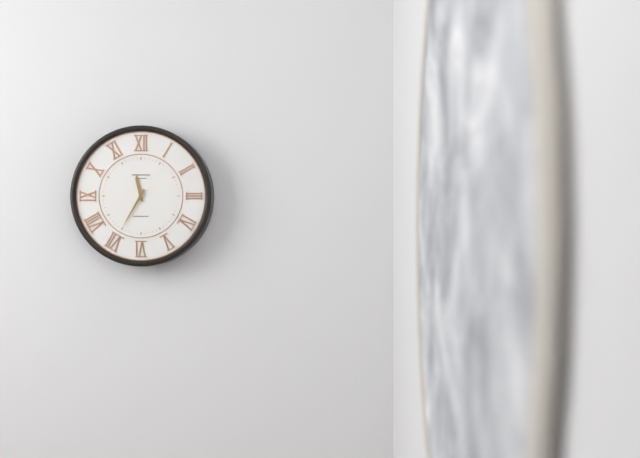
11:35
